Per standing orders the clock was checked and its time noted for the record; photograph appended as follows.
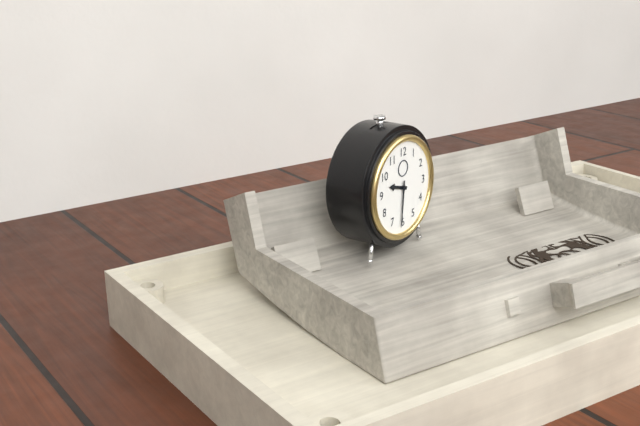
9:31
